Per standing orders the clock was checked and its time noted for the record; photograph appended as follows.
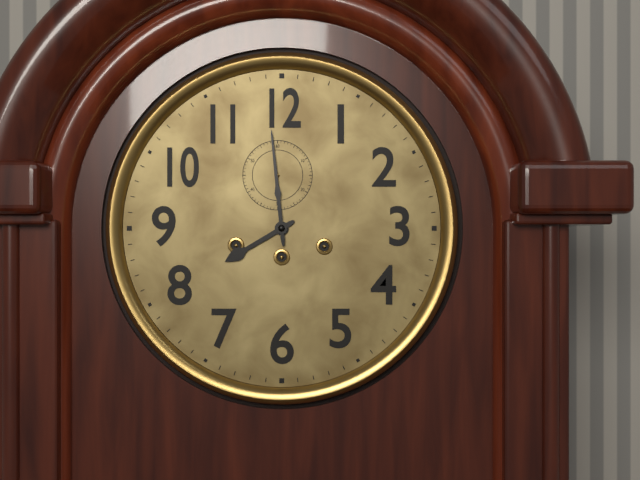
7:59
